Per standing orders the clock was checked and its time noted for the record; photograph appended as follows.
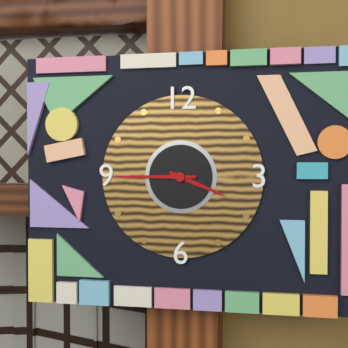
3:45
